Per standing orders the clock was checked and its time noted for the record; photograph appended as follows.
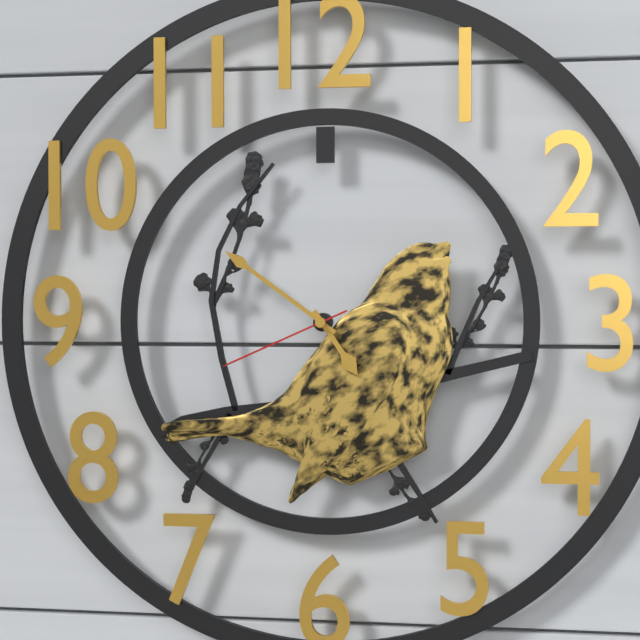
4:51:41
